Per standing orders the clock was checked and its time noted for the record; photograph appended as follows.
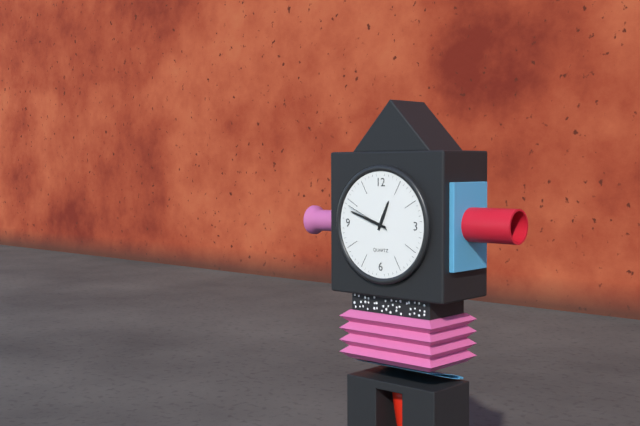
12:48
